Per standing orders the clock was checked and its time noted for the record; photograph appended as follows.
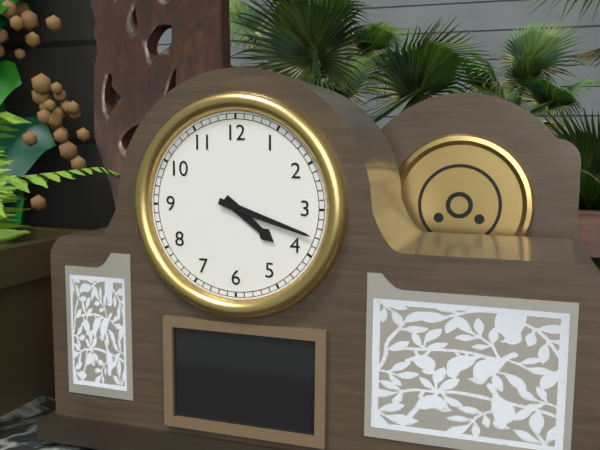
4:18
